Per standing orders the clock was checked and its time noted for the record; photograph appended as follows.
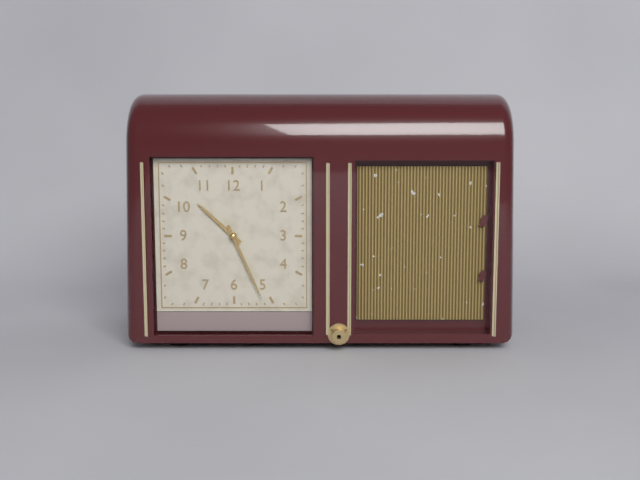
10:26
